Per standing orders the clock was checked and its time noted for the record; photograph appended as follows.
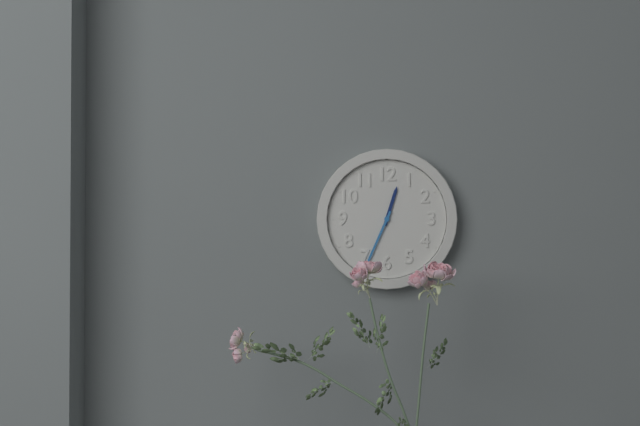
12:34
